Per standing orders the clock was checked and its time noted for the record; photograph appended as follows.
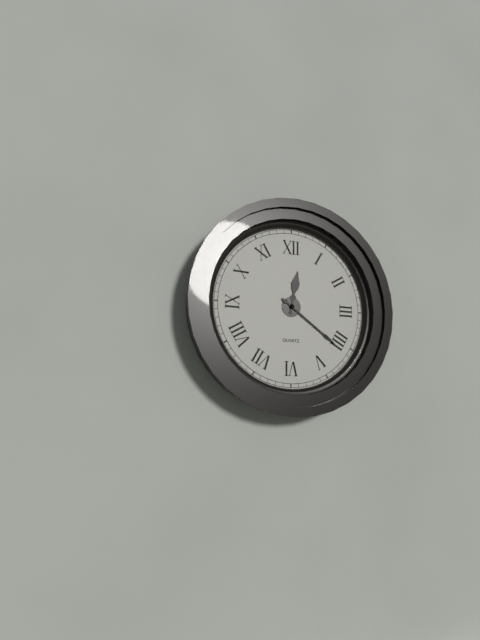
12:21
